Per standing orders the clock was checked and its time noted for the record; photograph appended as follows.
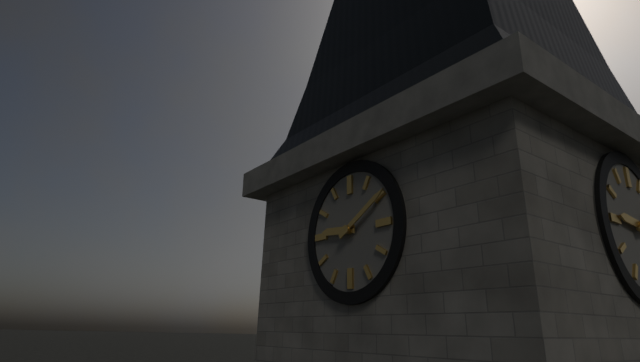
9:10
